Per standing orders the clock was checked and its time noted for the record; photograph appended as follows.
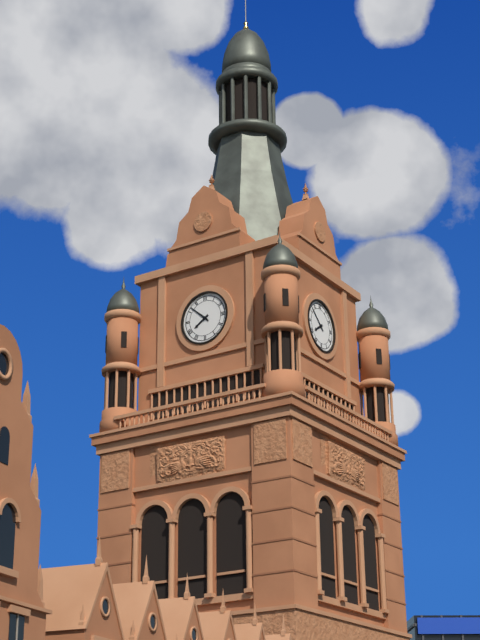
7:52
